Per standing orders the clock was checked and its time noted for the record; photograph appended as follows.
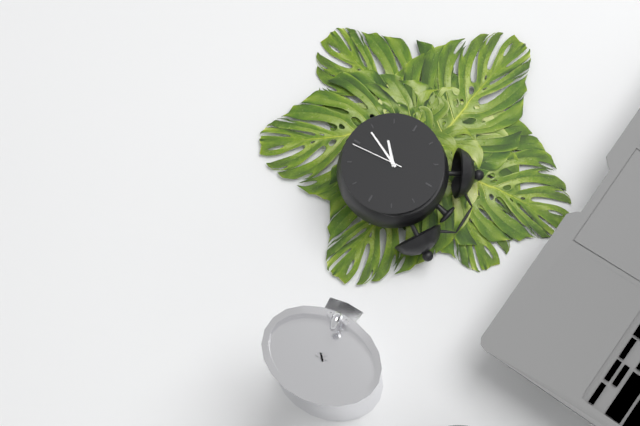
7:34:29
